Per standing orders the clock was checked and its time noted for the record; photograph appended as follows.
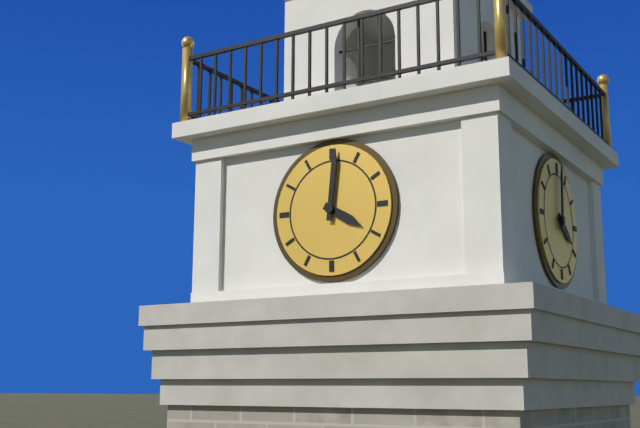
4:01
